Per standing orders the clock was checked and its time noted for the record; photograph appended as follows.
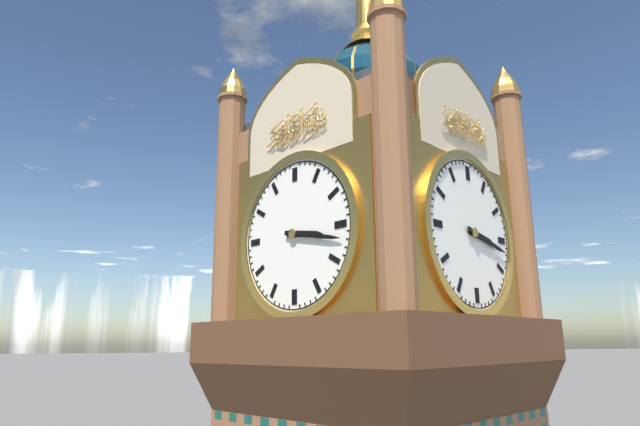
3:17
